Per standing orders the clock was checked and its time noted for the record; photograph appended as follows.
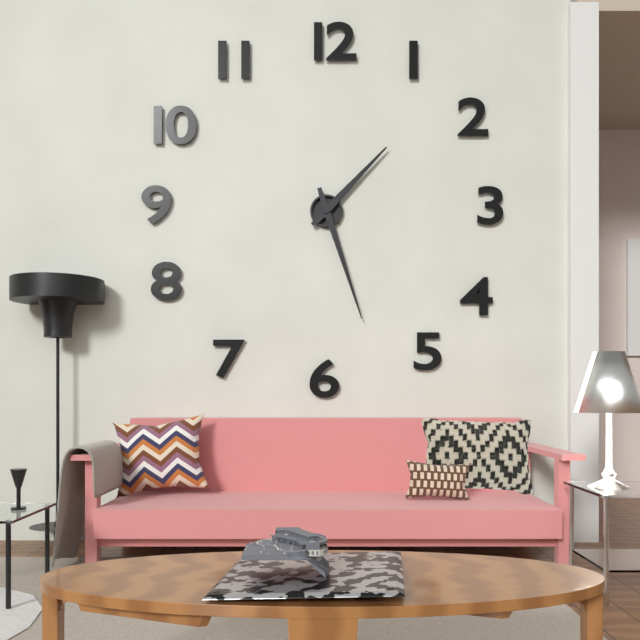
1:27
